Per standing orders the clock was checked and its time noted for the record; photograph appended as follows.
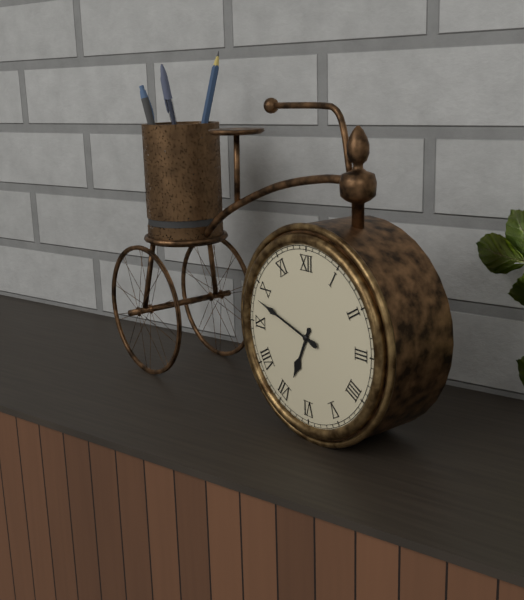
6:48
